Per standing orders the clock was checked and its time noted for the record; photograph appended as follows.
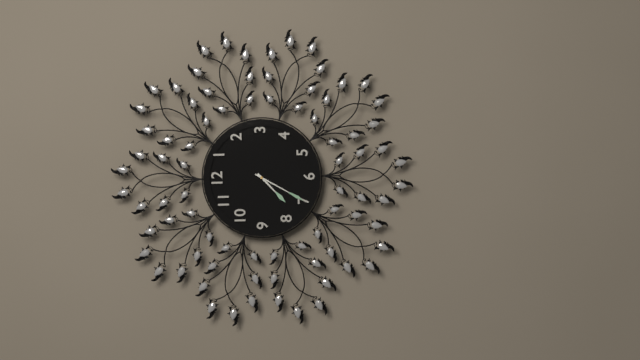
7:35
